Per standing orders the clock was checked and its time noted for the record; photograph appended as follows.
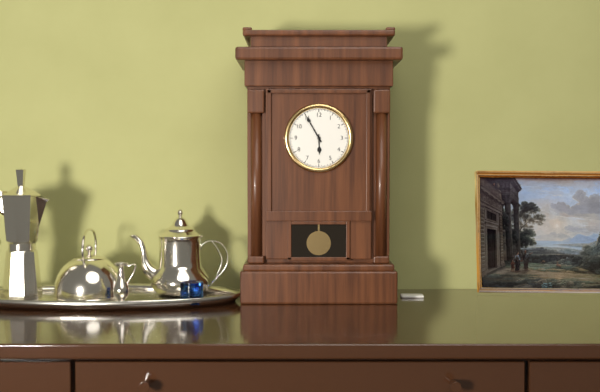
5:55
